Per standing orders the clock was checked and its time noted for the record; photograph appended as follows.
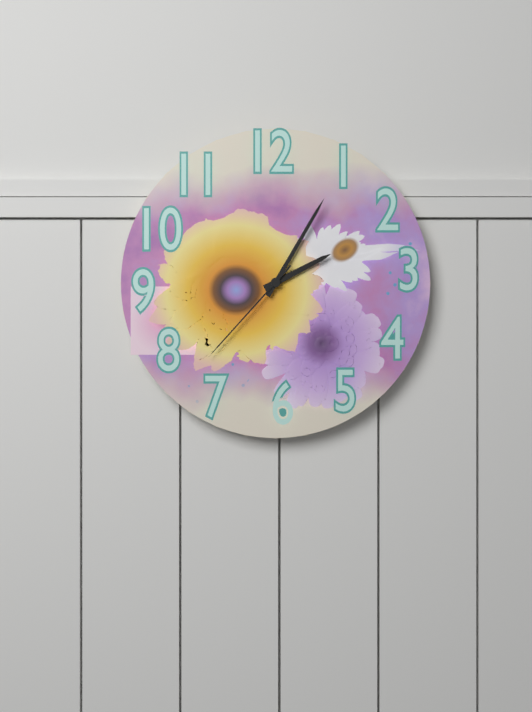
2:05:37
